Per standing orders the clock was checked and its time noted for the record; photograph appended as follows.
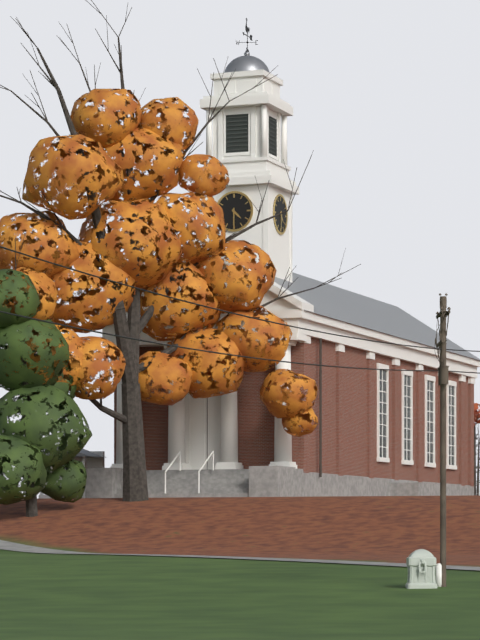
4:30
